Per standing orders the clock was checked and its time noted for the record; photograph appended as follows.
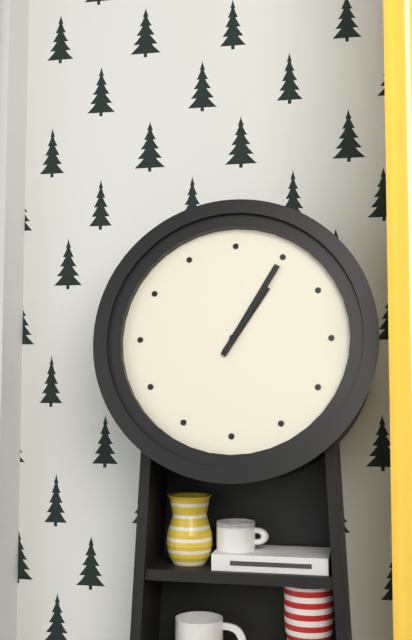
1:05
